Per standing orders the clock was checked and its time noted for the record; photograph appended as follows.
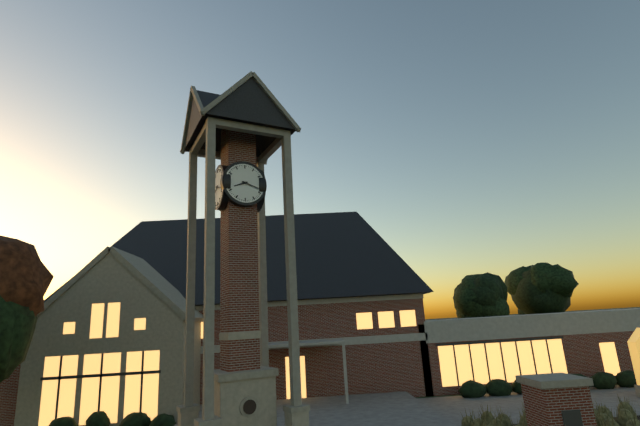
8:18
